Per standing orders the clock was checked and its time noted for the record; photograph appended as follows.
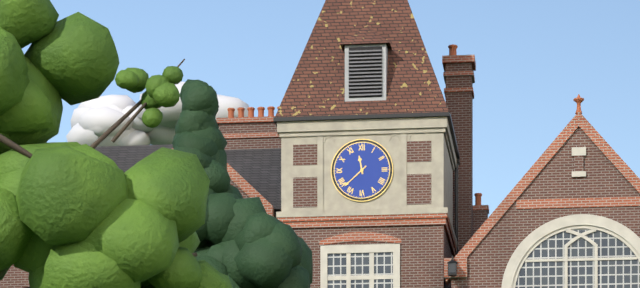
11:38
